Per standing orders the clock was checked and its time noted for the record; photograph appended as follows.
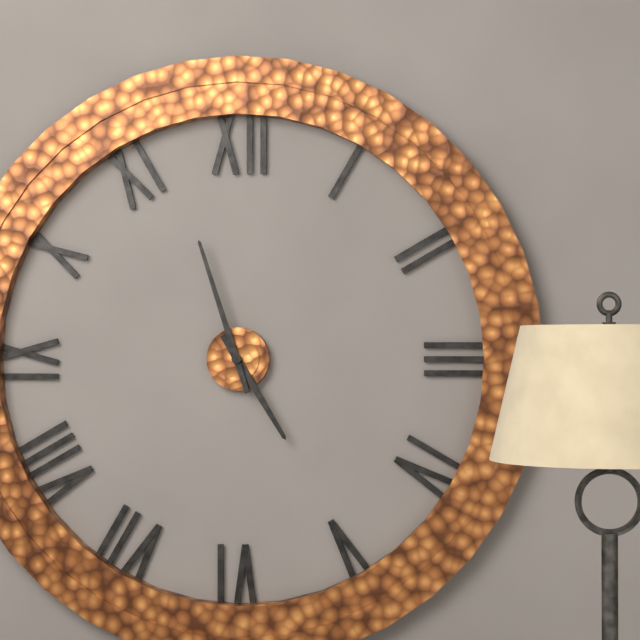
4:57
